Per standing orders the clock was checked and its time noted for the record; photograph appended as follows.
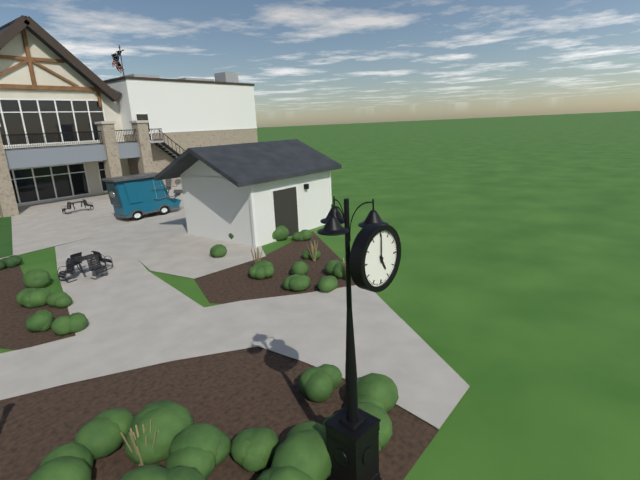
5:00
